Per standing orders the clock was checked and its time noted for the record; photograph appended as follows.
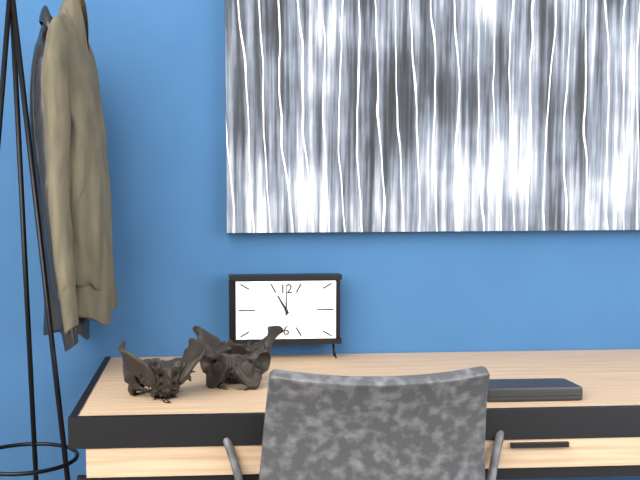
11:00
